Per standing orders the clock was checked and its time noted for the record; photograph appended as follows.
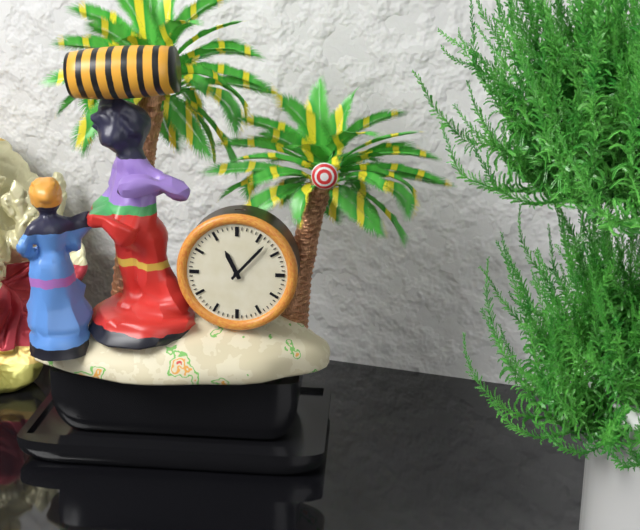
11:07
